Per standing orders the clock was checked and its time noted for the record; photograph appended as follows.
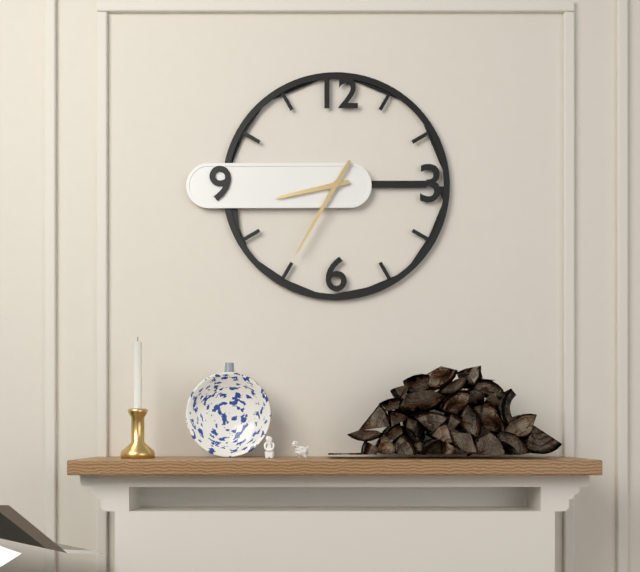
8:35
